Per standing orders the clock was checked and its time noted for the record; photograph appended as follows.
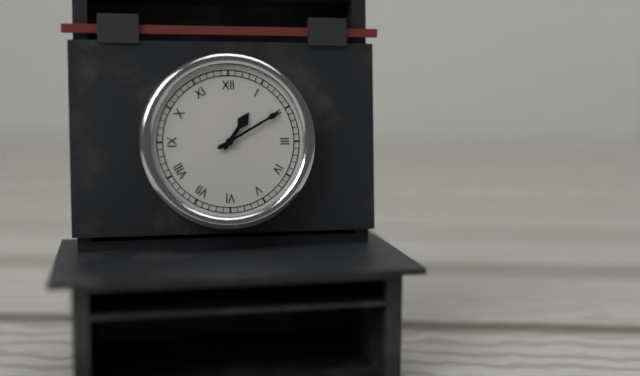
1:10
